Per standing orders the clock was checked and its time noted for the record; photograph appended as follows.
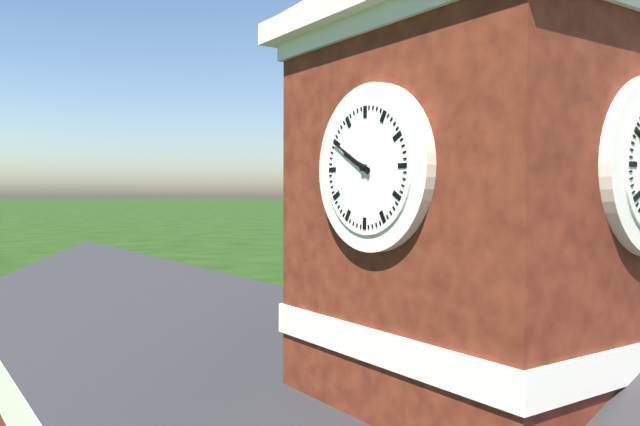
9:50
